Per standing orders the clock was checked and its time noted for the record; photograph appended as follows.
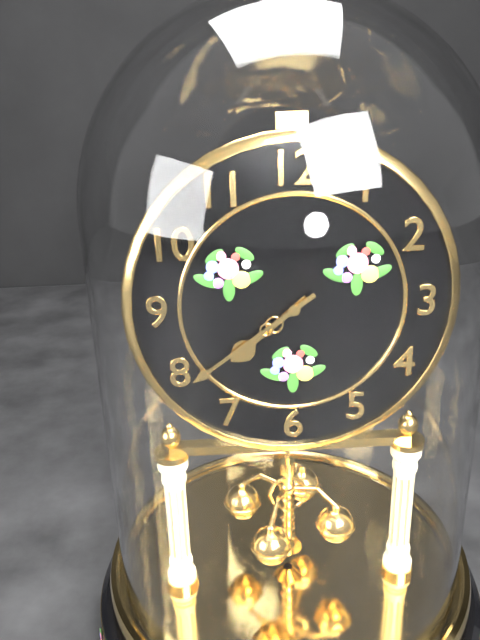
7:39
